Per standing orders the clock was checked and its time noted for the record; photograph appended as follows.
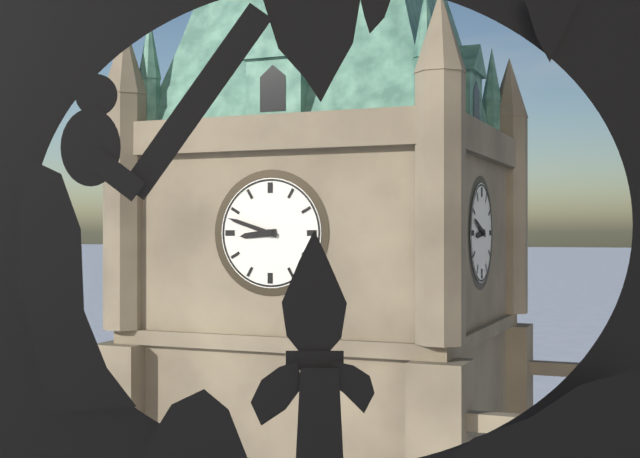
8:48
